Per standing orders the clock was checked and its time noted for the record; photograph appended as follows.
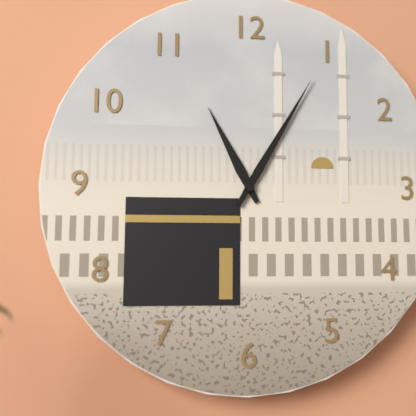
11:05
